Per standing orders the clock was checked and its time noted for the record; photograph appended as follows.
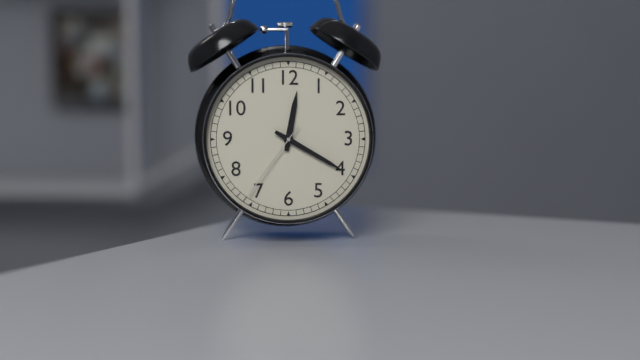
12:20:36
